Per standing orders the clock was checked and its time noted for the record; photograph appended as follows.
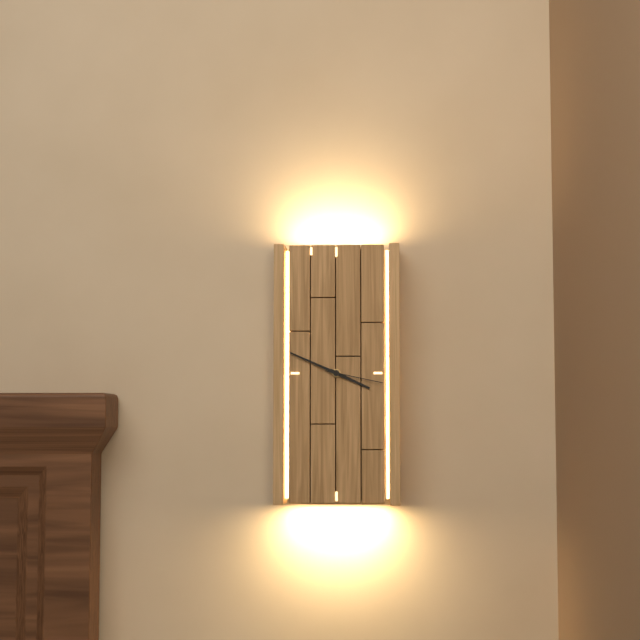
3:49:17
